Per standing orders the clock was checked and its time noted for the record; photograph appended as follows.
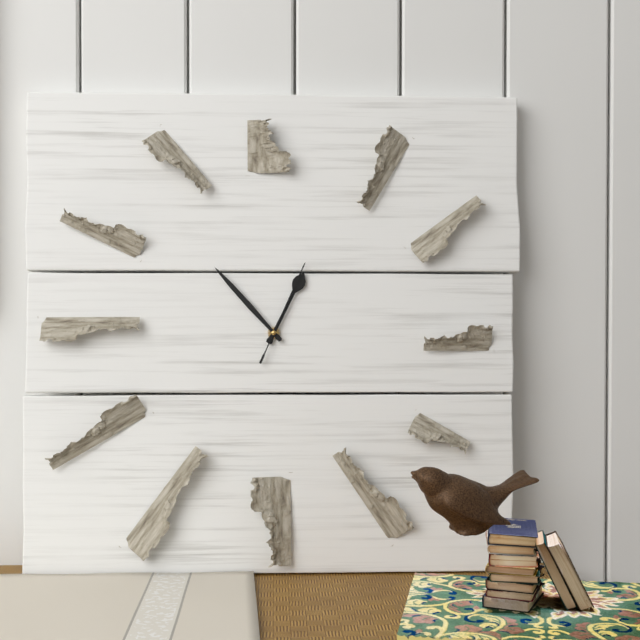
12:53:04
